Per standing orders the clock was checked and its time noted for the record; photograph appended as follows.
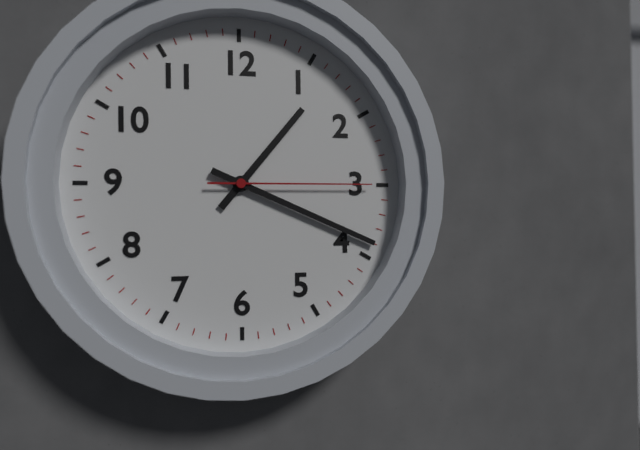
1:19:15
